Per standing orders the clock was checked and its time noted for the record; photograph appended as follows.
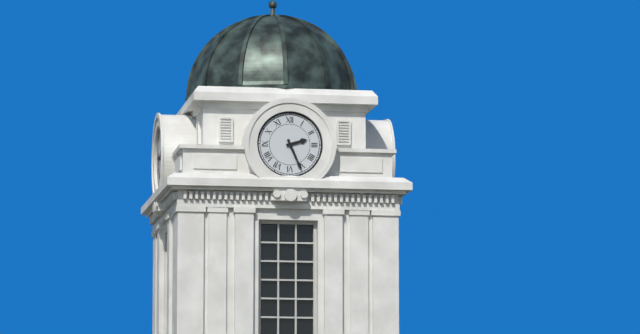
2:26
